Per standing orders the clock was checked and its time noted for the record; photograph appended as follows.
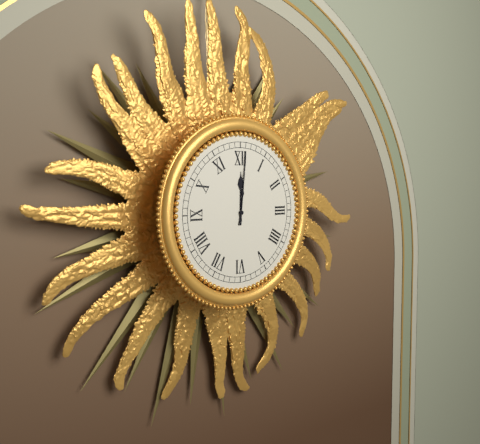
12:01
